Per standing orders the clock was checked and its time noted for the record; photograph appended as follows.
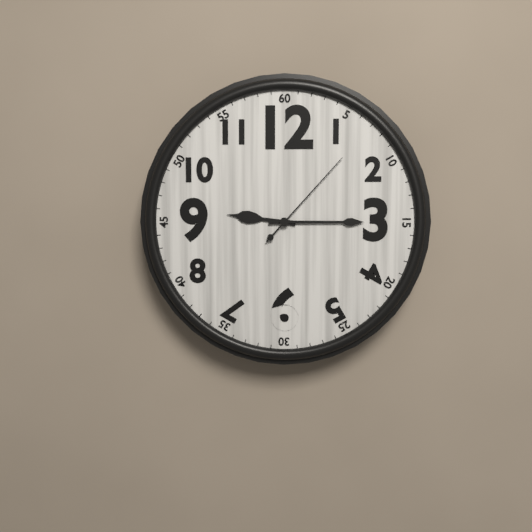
9:15:07
